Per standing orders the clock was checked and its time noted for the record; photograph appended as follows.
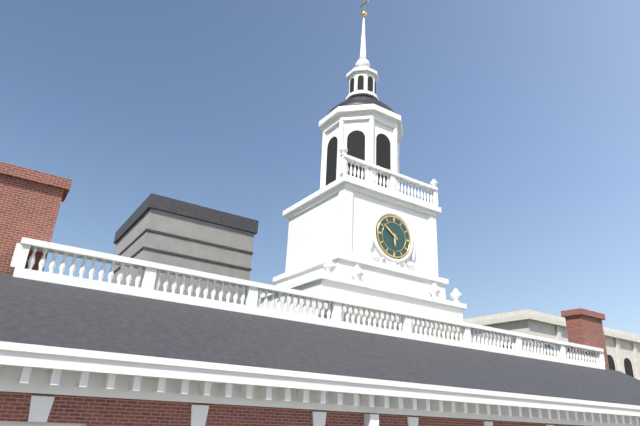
5:51
